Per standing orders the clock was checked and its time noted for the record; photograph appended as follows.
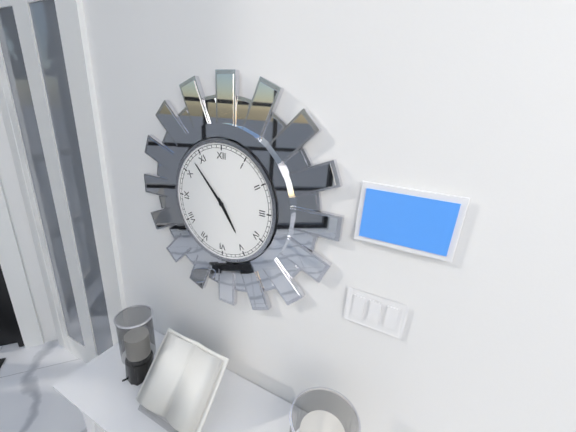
4:53
